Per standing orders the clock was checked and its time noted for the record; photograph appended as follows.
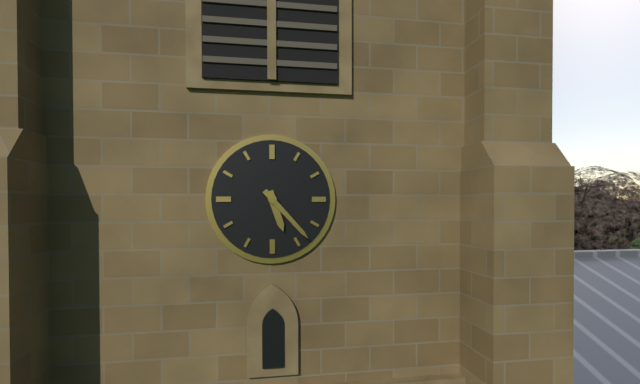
5:23
